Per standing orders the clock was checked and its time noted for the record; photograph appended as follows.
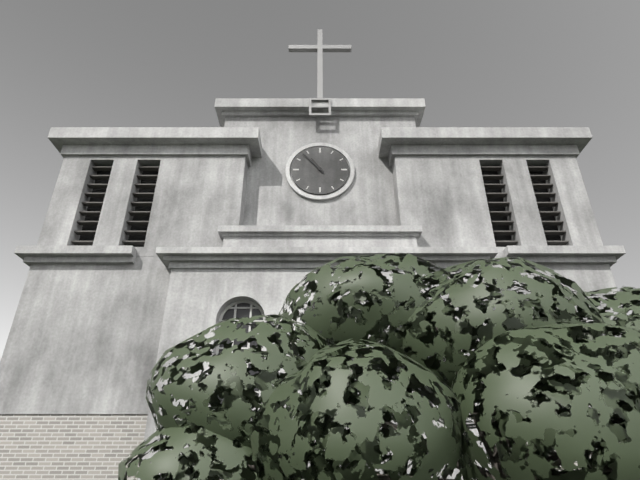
10:53
